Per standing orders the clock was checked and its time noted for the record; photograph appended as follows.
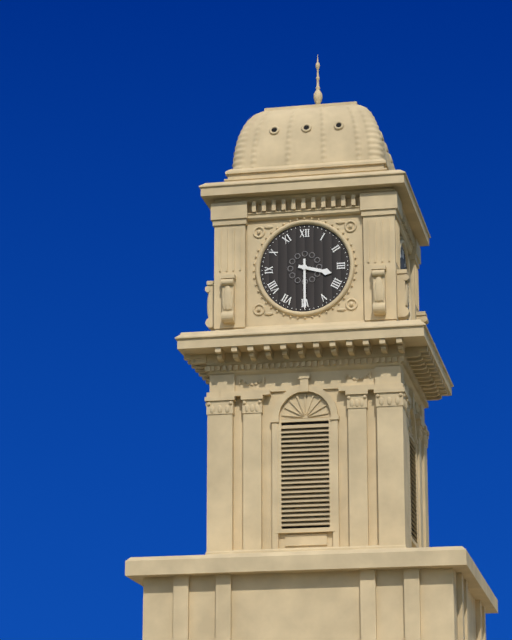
3:30
